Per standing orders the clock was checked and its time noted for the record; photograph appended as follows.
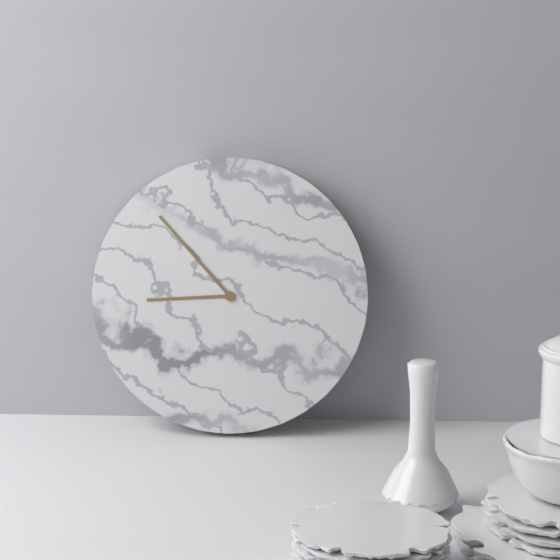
8:53
